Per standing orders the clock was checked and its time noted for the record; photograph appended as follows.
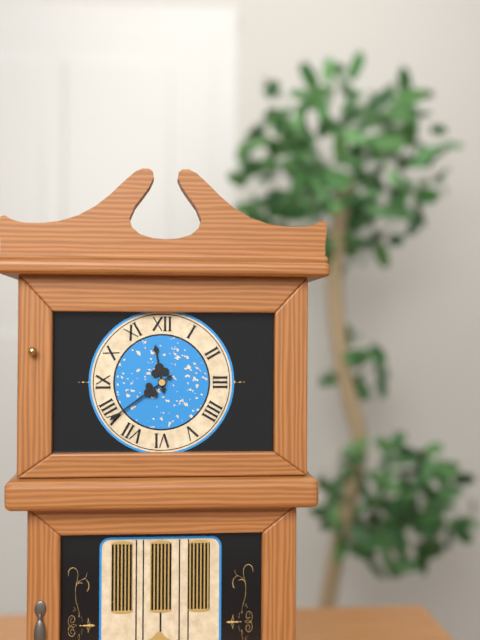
11:39
